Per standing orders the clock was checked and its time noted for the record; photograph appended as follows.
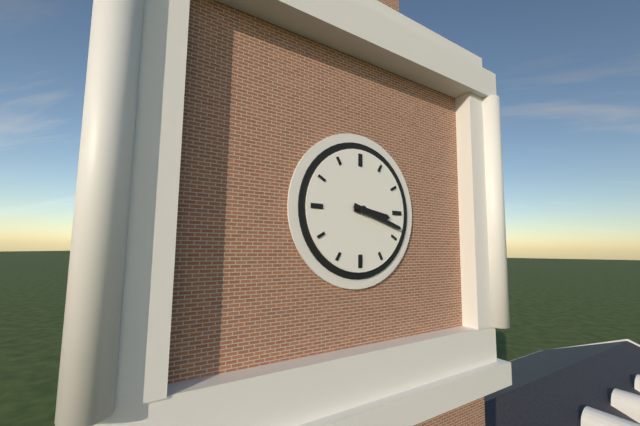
3:18
